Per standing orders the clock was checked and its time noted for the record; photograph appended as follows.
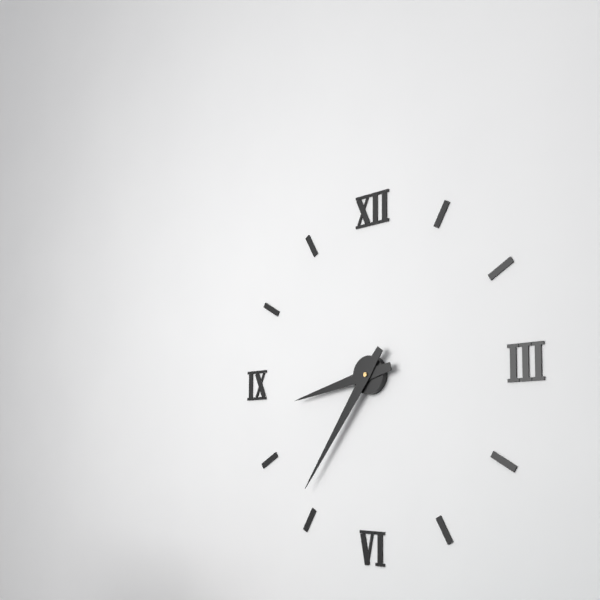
8:36
